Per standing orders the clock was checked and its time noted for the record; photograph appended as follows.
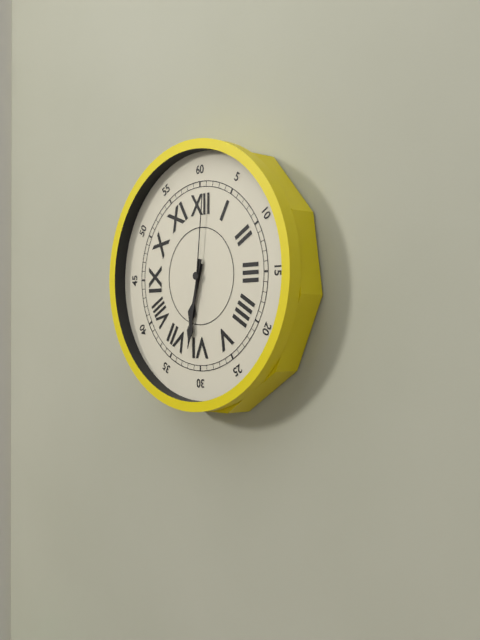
6:32:01
